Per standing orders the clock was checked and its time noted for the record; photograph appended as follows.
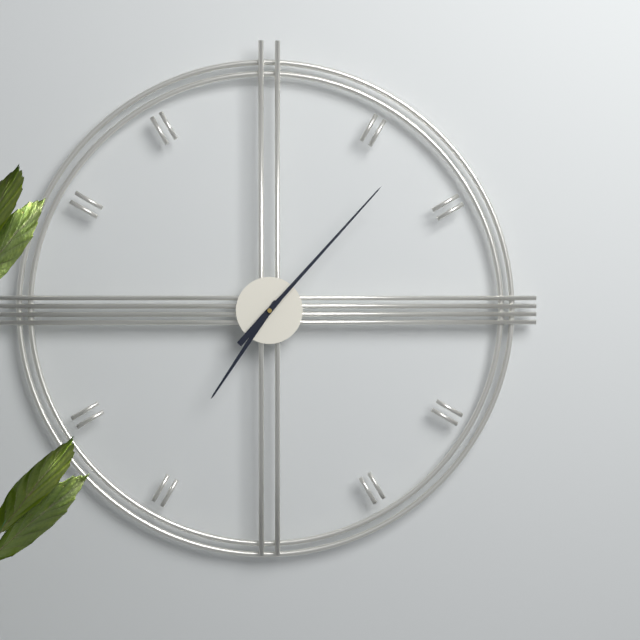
7:07
